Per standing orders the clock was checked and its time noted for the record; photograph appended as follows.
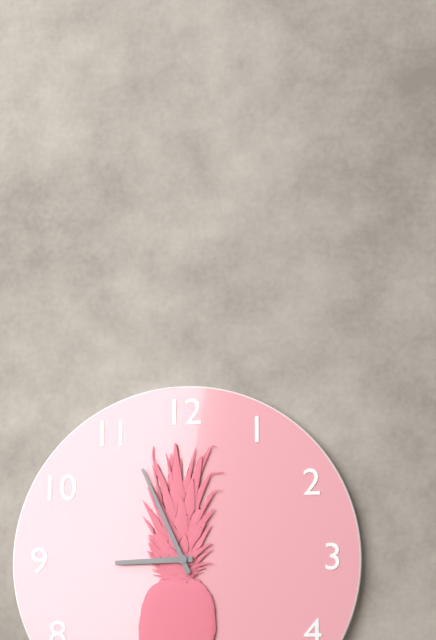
8:56
